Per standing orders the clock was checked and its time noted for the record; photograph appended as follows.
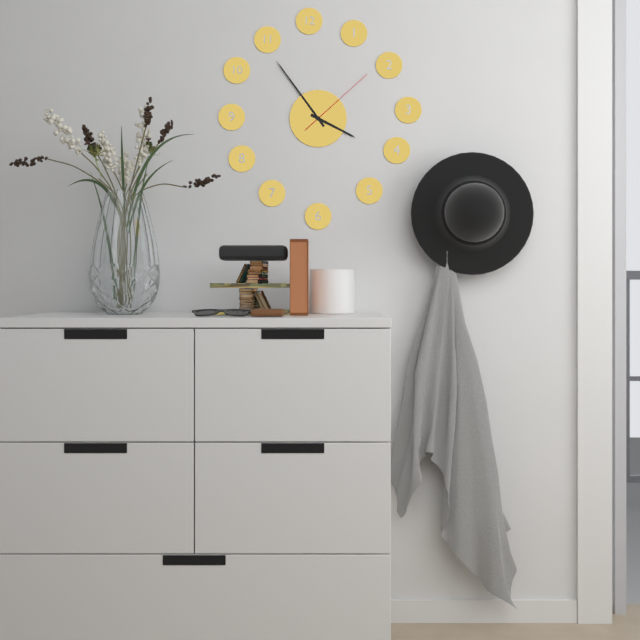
3:54:08
